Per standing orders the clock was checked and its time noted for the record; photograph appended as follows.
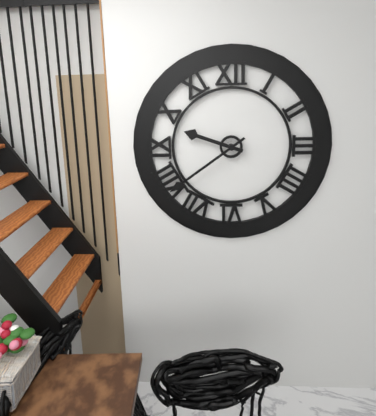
9:39
